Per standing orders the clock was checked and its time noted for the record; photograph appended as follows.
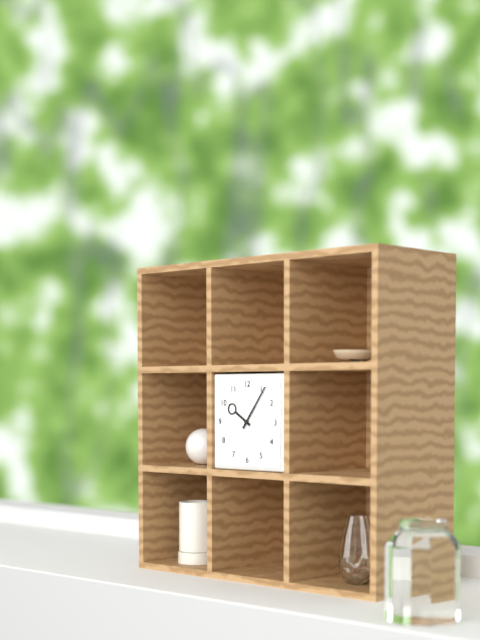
10:06
